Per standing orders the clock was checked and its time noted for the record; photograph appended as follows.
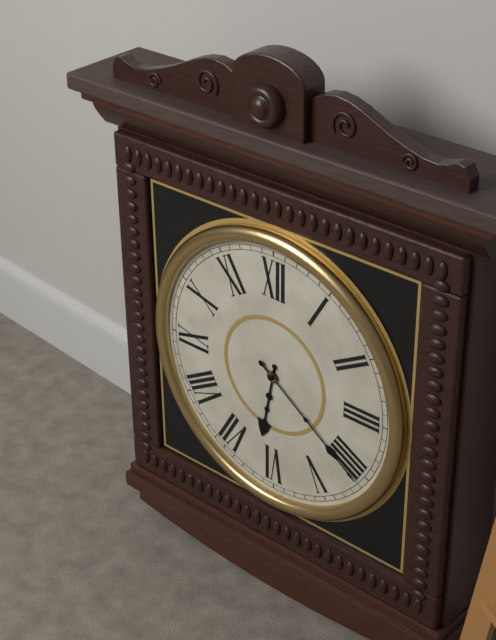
6:21
